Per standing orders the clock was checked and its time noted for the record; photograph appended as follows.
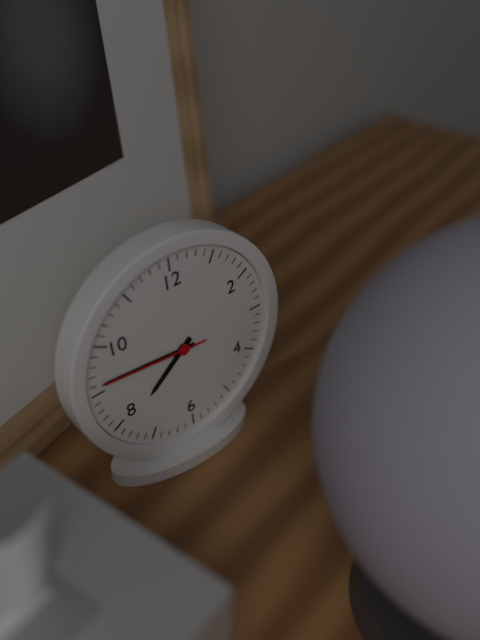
7:46:46
